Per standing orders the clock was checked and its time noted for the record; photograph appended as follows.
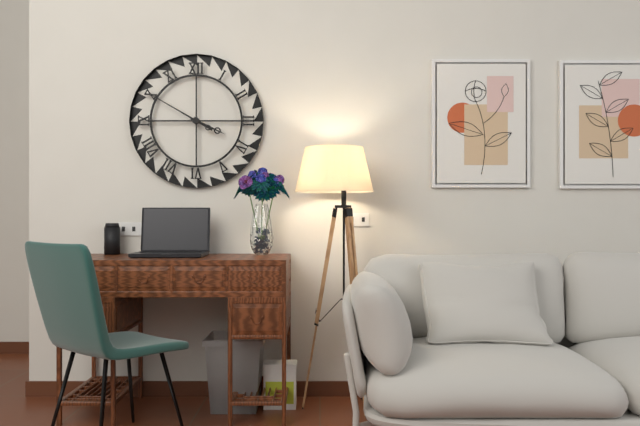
3:50
